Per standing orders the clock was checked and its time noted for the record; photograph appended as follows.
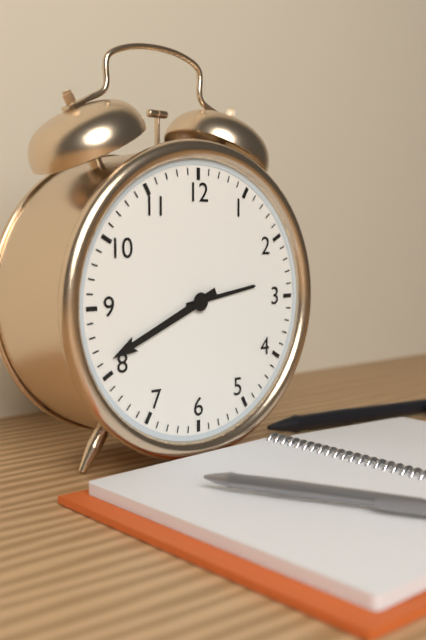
2:41
